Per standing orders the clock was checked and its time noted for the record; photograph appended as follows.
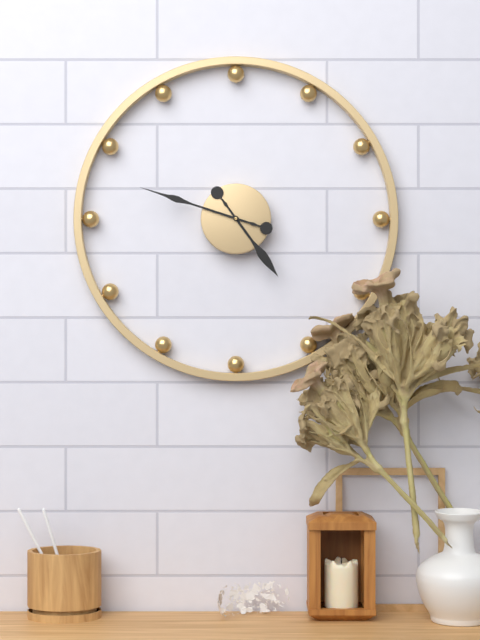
4:48
